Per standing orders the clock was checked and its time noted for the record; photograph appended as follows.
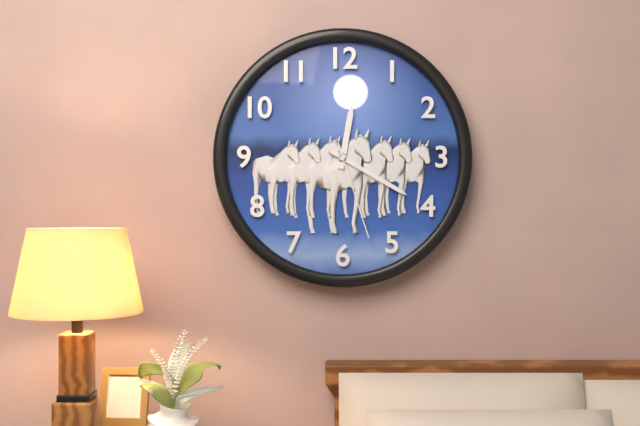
12:20:27
